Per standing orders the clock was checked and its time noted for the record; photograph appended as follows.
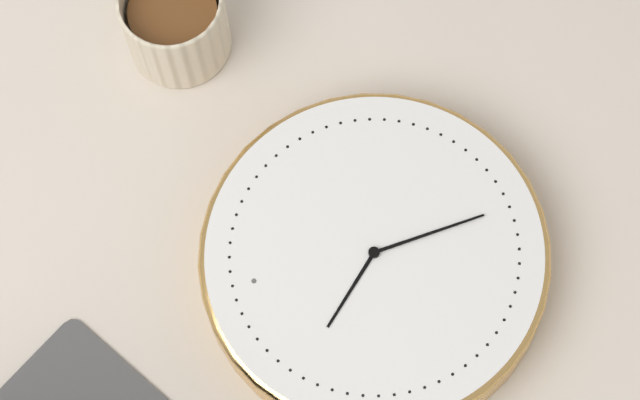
10:29
